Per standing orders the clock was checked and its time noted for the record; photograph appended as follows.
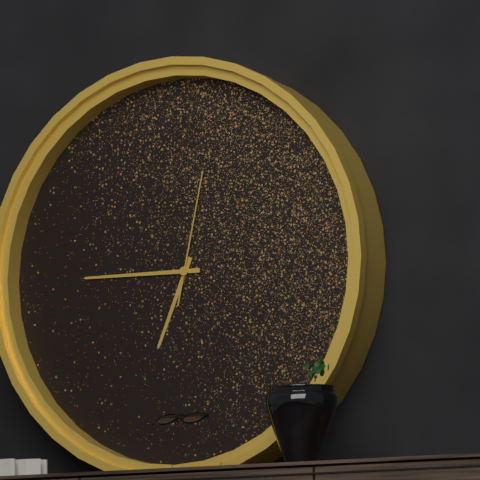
6:45:02
